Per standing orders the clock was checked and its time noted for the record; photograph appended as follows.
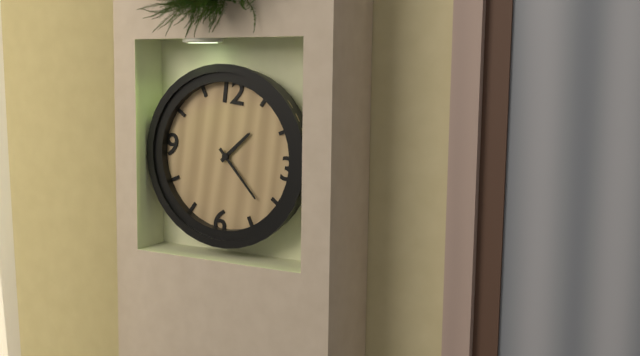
1:22
